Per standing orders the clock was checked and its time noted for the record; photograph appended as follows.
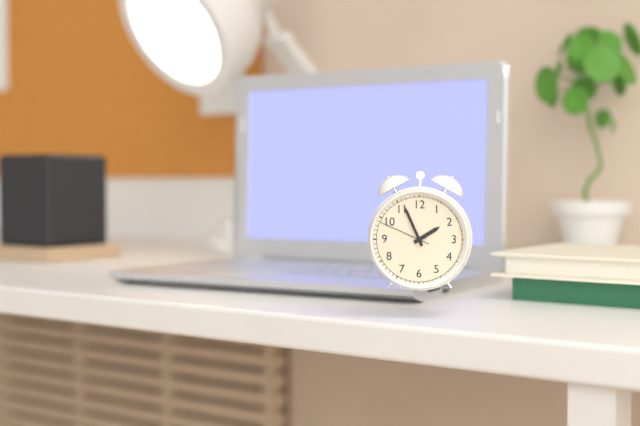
1:56:49
